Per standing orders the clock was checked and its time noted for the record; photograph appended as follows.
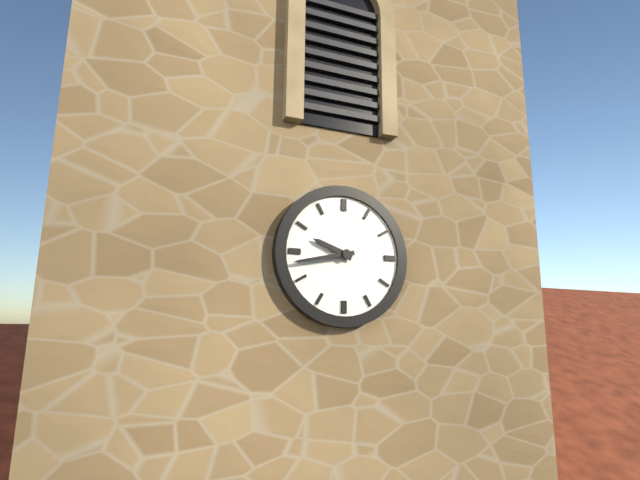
9:43
